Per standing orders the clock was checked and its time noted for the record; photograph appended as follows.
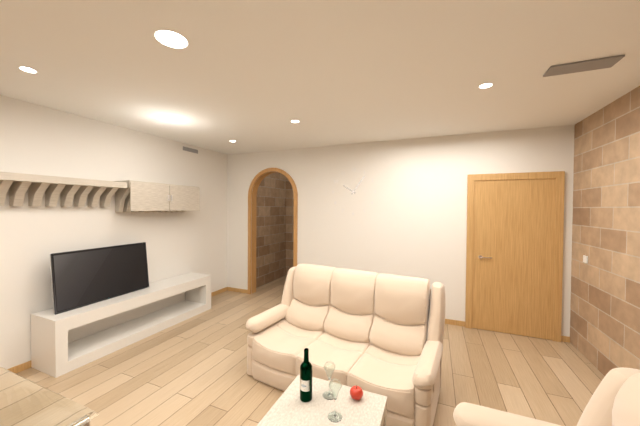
10:06
